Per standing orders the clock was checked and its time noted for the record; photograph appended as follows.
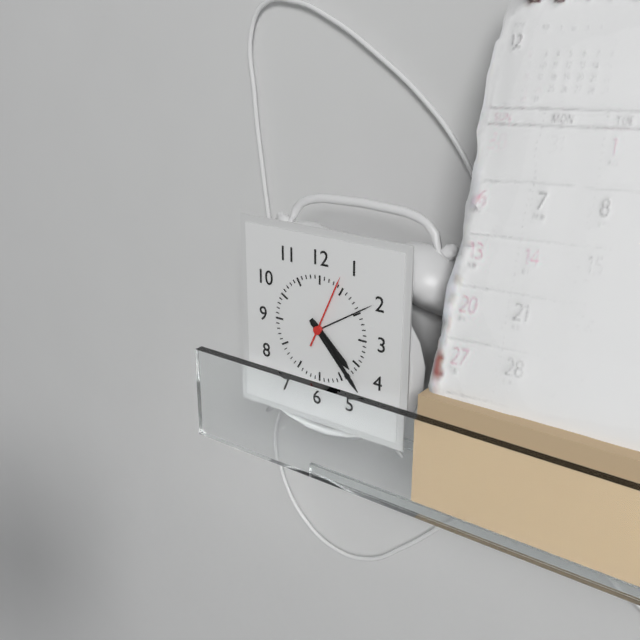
4:23:04
